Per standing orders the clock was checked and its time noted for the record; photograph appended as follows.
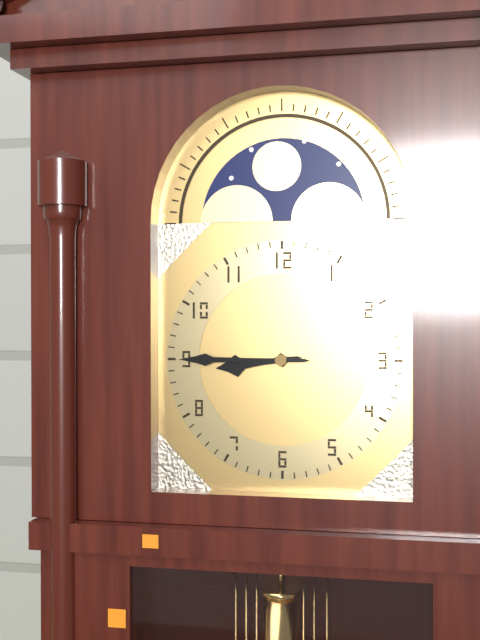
8:45
